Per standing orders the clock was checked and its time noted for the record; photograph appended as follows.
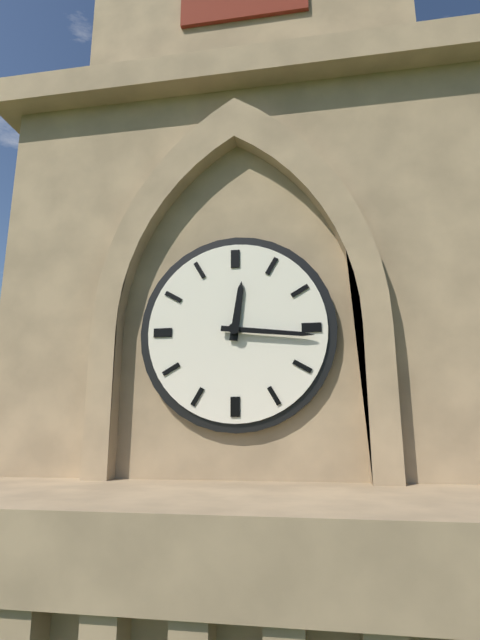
12:16
